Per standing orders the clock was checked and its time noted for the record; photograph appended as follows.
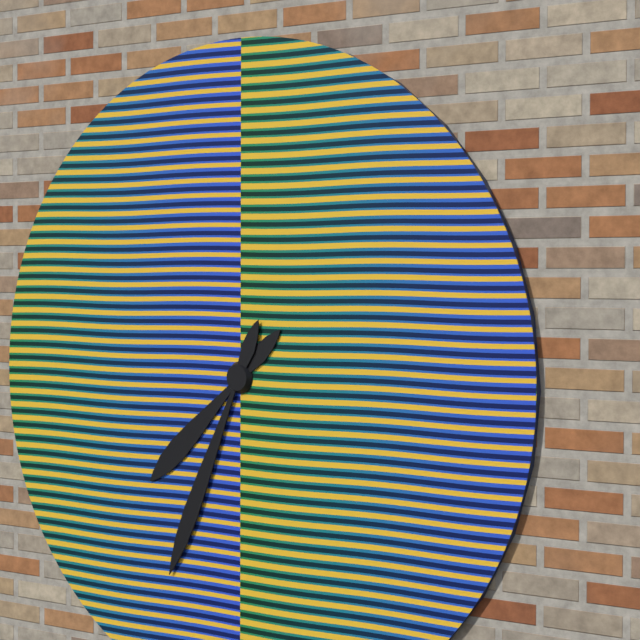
7:34
